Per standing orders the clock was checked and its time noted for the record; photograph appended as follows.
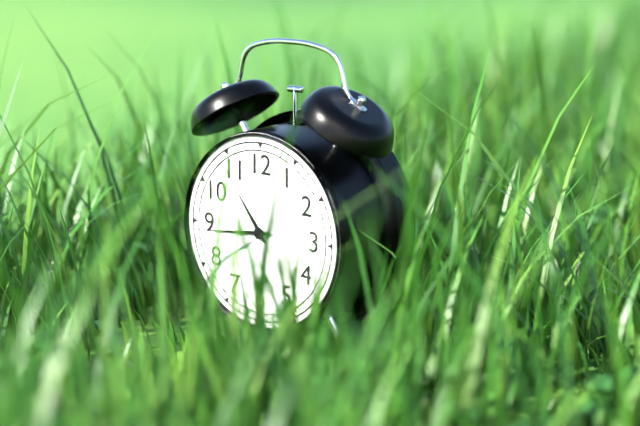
10:44
